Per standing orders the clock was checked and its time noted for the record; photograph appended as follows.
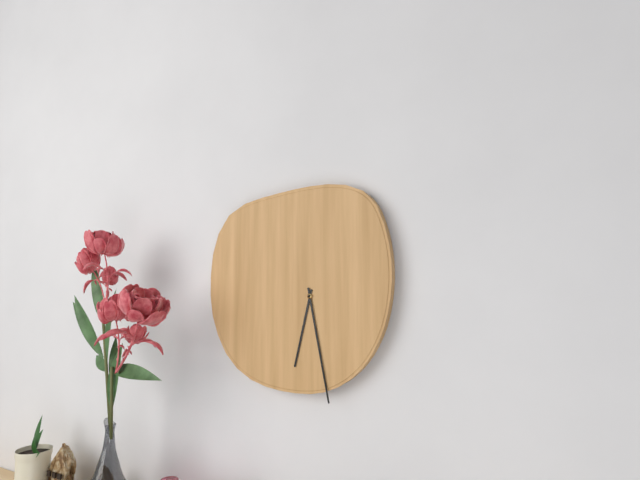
6:28
